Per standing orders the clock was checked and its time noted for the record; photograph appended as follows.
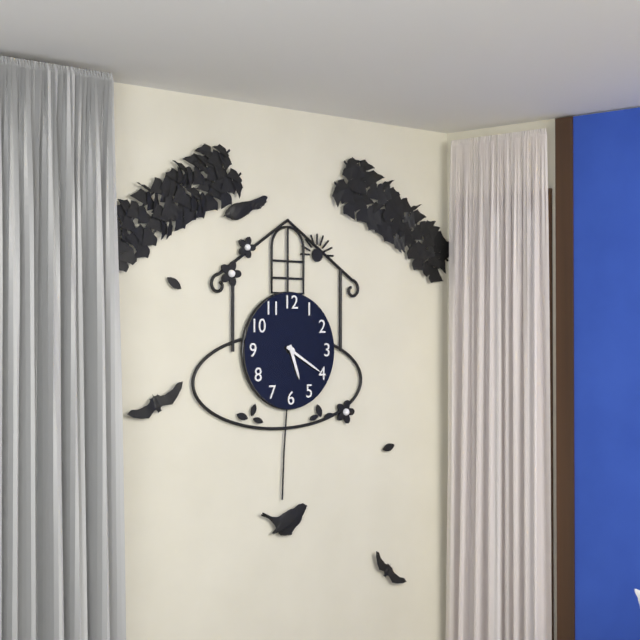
5:20
